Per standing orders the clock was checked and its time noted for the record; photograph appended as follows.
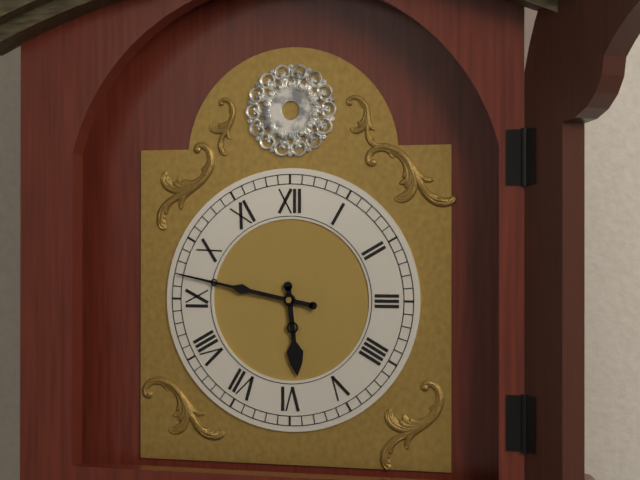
5:47
